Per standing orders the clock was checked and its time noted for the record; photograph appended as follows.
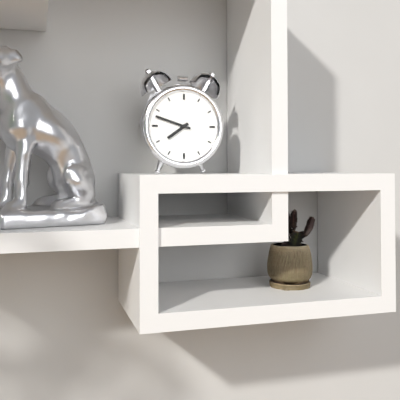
7:48
